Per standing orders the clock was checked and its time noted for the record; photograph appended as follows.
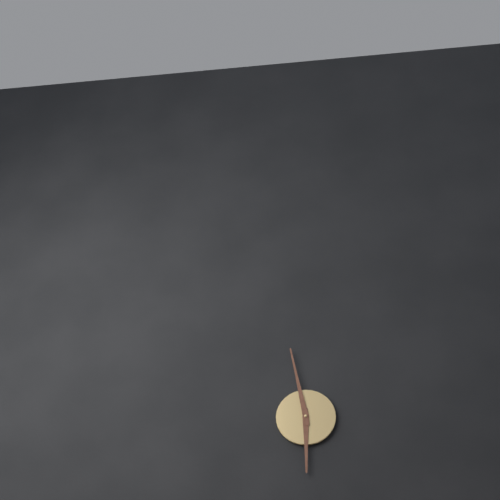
5:58
